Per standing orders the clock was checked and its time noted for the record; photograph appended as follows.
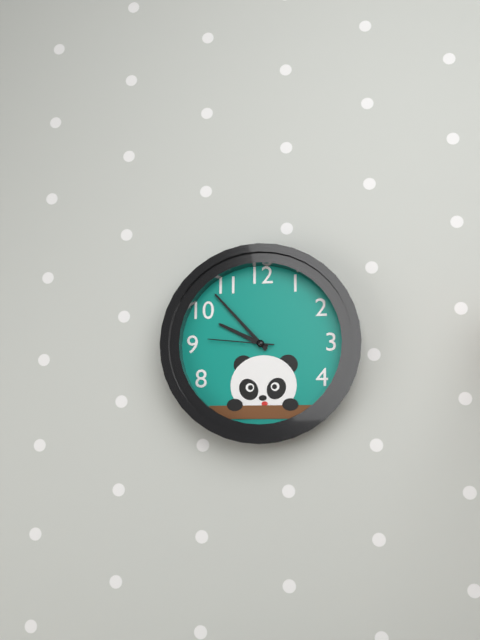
9:53:46
